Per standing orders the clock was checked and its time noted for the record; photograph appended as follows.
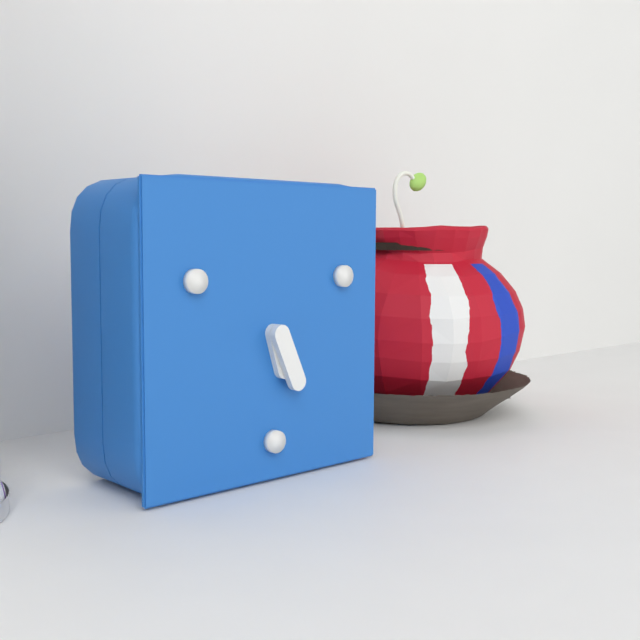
5:26
